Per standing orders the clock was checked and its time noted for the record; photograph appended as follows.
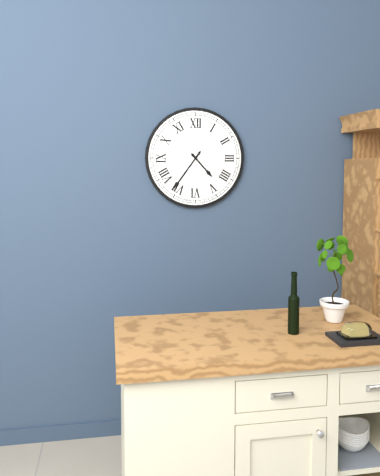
4:36
